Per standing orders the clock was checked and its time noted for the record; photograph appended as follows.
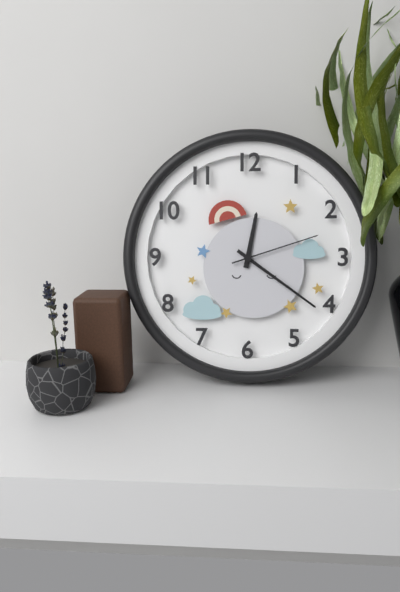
12:21:12
